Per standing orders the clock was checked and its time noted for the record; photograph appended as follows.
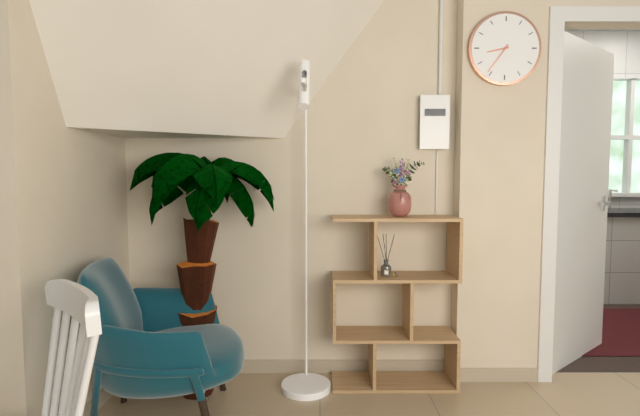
8:36
